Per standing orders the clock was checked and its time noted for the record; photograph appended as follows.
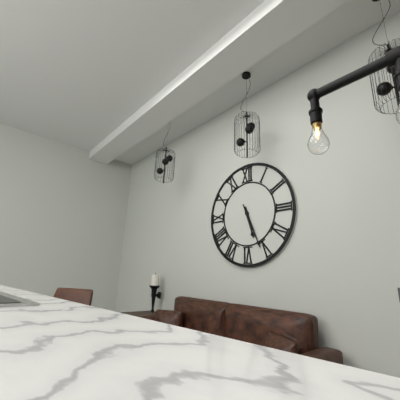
5:26
